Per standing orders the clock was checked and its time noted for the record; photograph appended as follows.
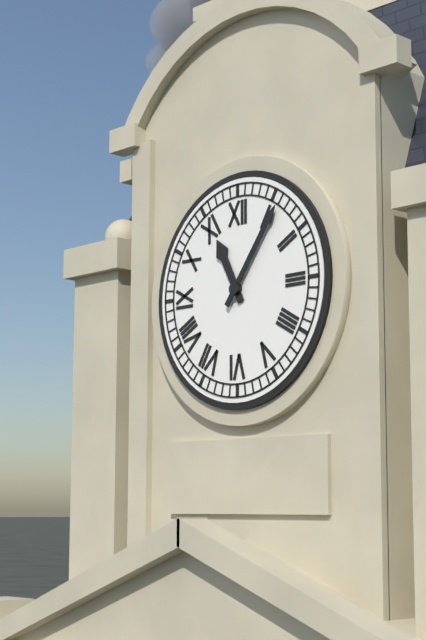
11:06
